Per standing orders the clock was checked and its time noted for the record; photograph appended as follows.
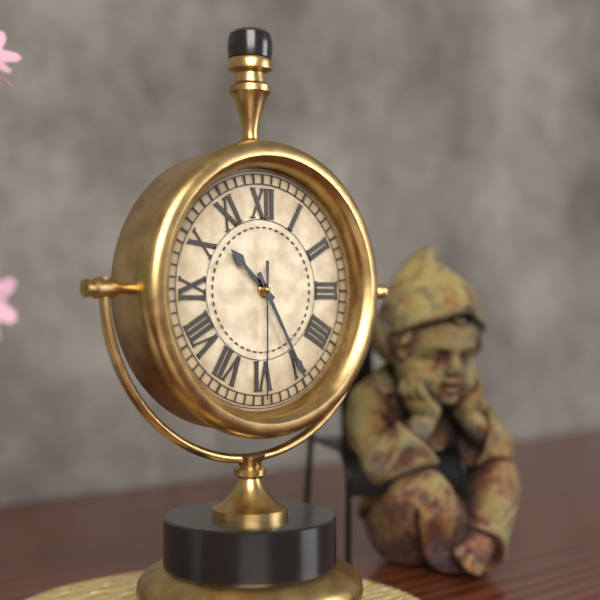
10:25:30
